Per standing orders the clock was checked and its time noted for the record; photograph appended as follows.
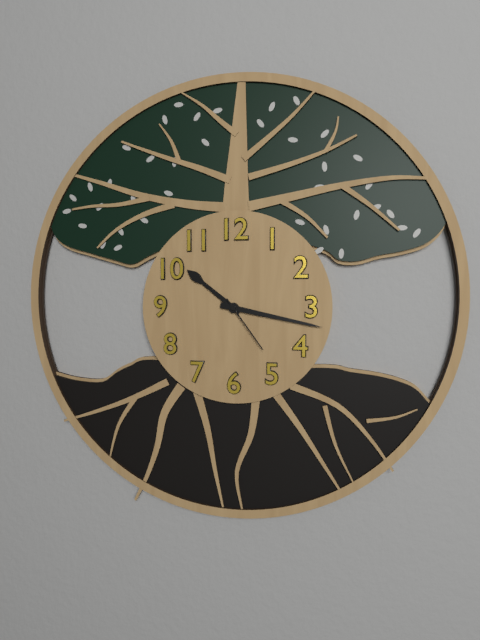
10:17:24
